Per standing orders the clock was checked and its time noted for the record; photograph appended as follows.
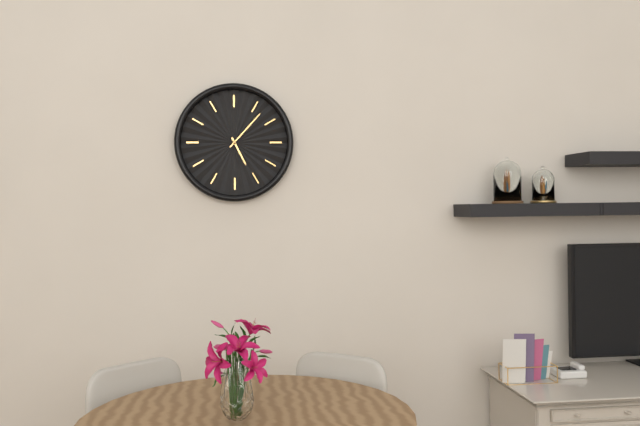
5:07
